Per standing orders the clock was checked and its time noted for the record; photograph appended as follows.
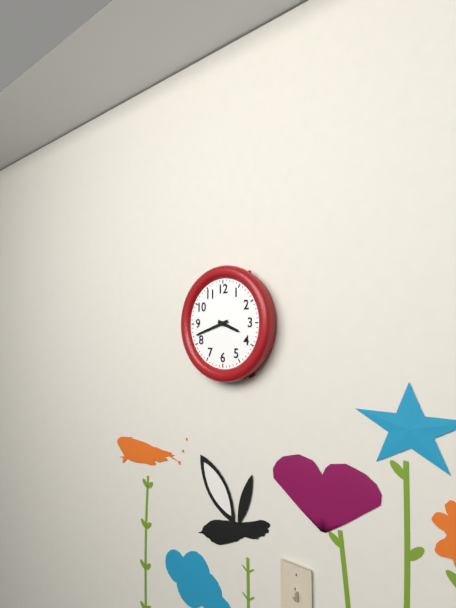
3:42
